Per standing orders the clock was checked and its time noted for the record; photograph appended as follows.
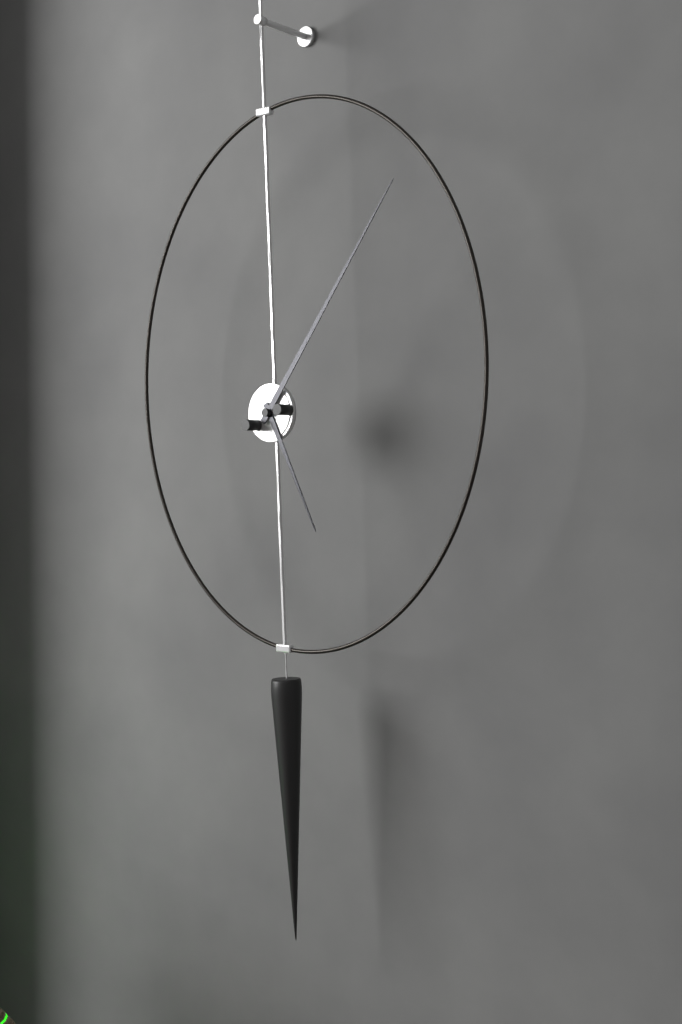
5:06
